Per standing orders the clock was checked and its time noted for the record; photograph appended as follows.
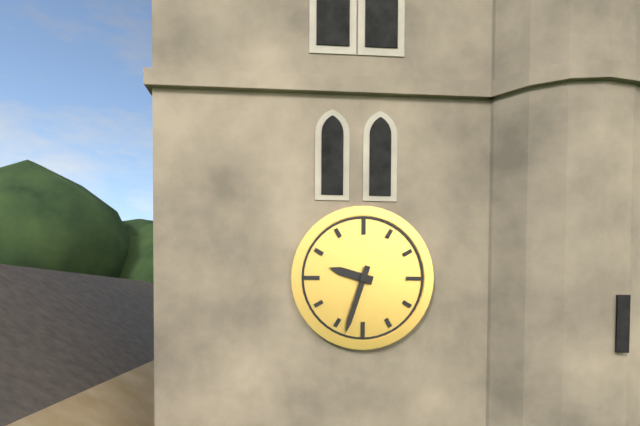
9:33
